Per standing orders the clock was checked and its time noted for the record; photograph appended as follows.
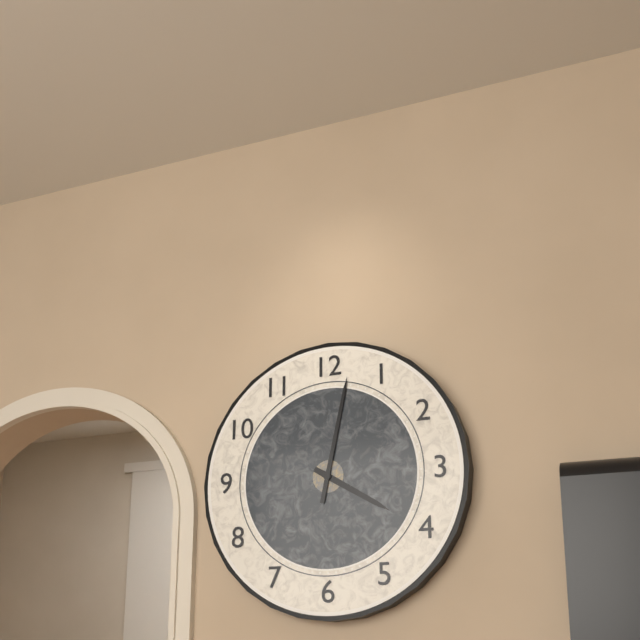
4:02
